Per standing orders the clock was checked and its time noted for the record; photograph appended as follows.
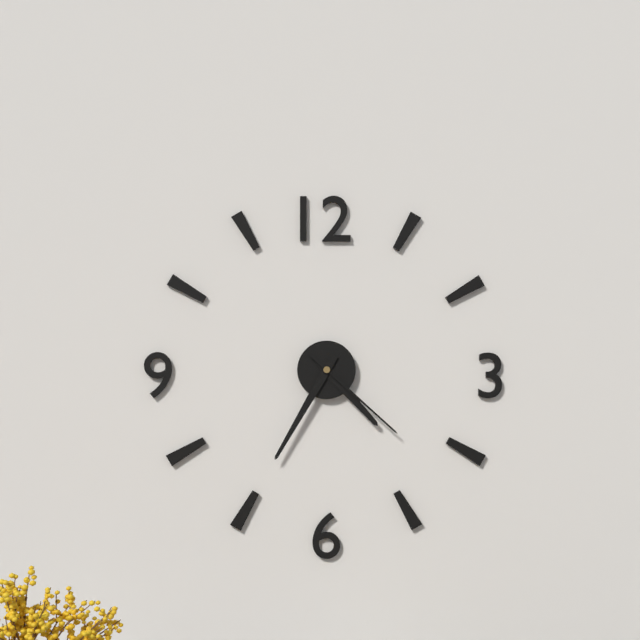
4:35:22
